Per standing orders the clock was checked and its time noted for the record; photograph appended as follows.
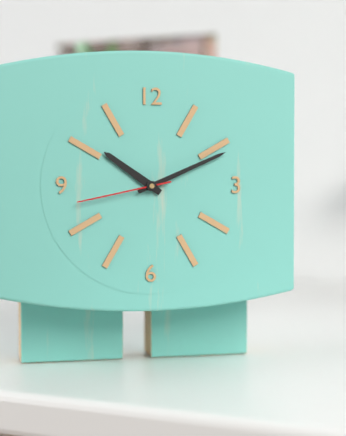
10:11:43
